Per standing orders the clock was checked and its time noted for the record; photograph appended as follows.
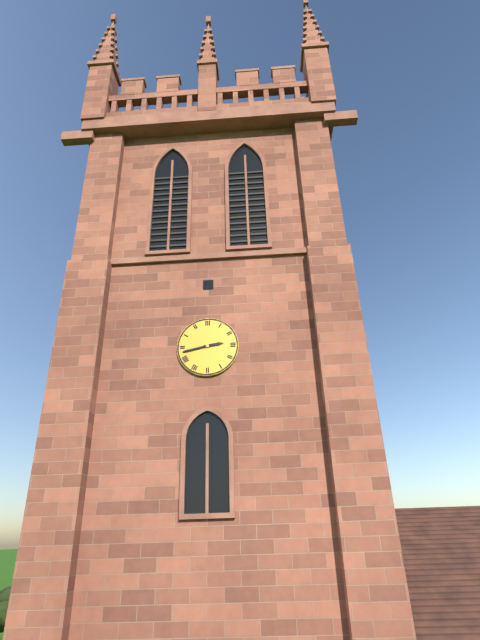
2:43
